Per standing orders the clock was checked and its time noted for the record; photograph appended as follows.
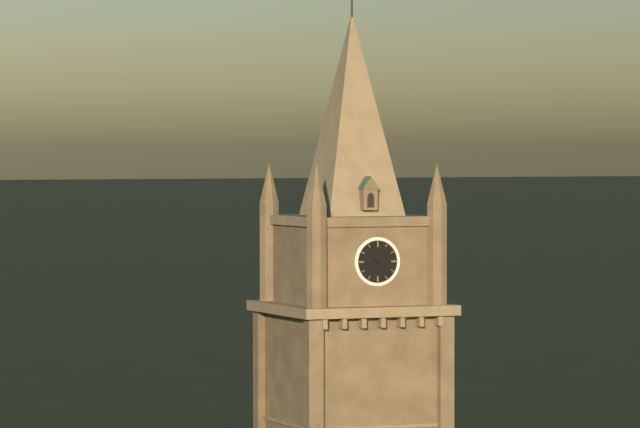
10:17
